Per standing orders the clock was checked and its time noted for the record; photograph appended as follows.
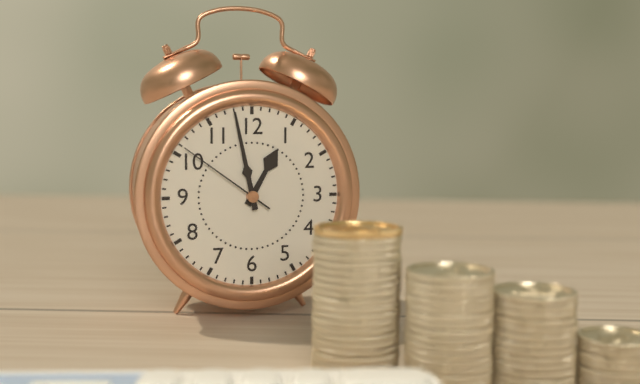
12:58:51
